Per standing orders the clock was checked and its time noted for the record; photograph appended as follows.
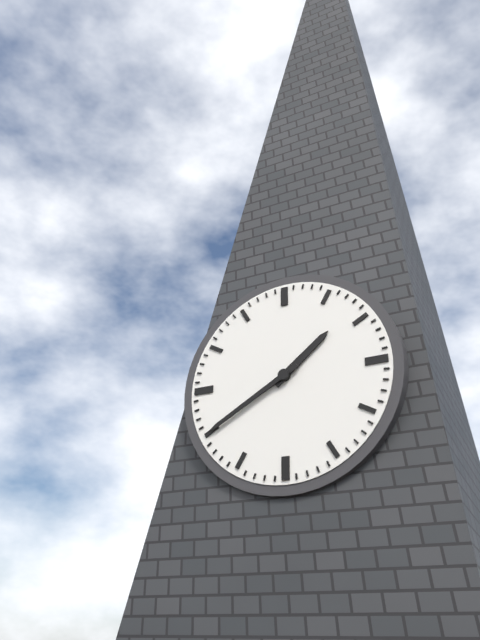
1:40
